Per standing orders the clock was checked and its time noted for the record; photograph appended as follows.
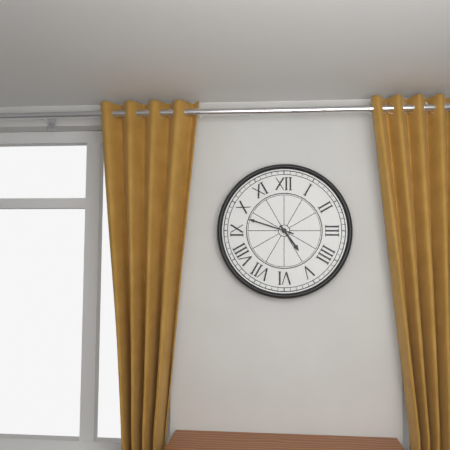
4:48
